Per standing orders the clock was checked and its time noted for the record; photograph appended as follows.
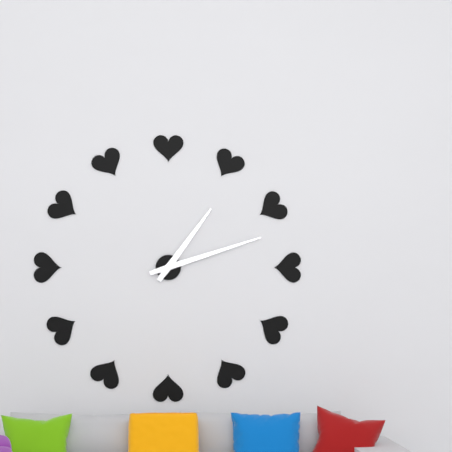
1:12
